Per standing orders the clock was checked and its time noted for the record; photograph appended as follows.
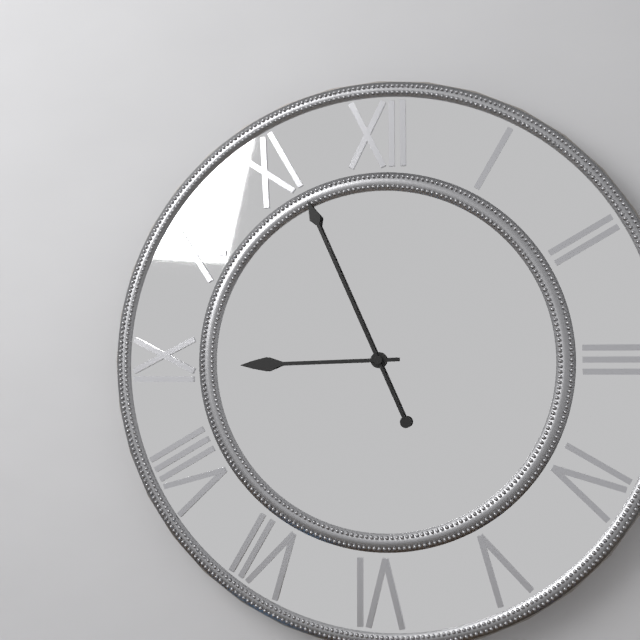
8:56
